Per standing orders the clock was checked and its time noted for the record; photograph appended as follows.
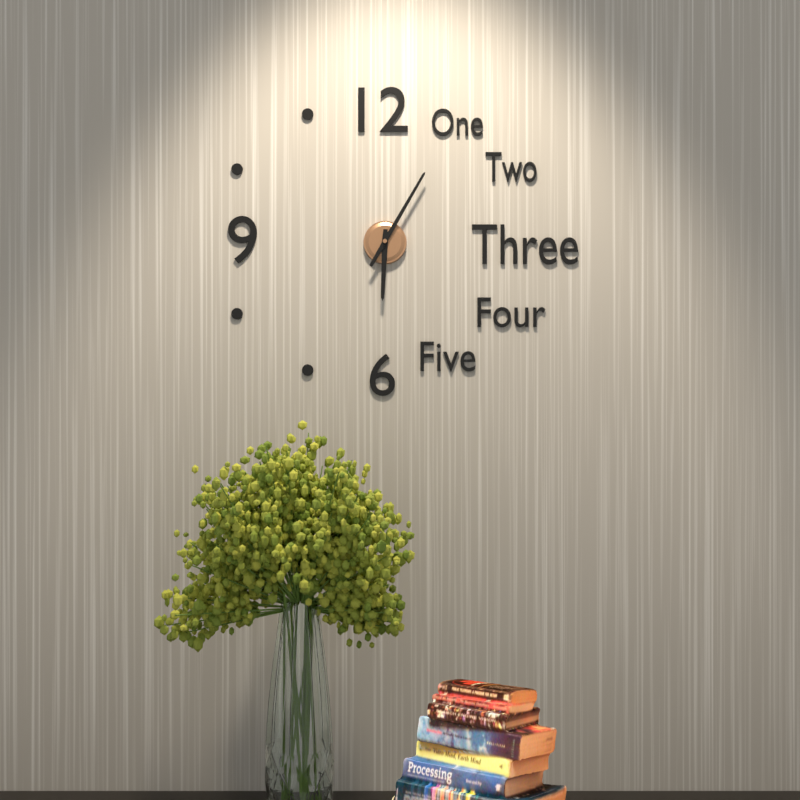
6:05
